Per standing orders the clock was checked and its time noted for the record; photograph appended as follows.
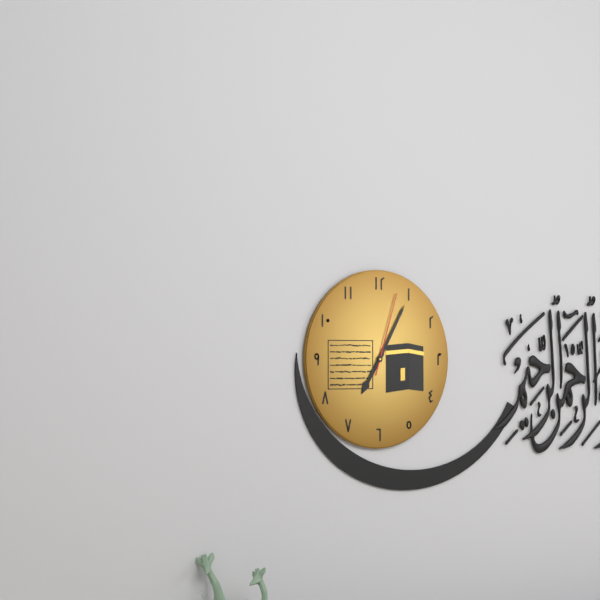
7:05:03
